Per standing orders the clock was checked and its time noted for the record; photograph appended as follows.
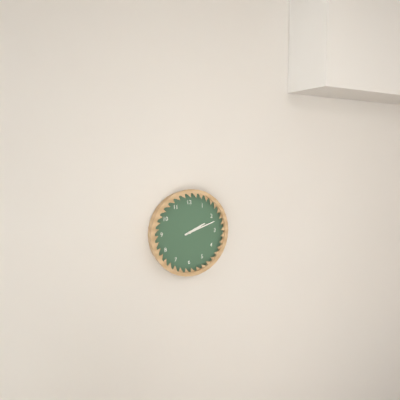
2:12
